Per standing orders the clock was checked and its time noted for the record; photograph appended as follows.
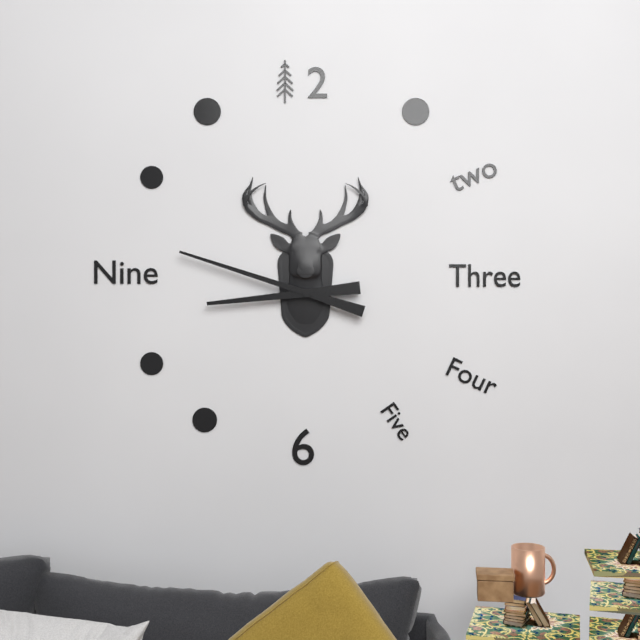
8:48
